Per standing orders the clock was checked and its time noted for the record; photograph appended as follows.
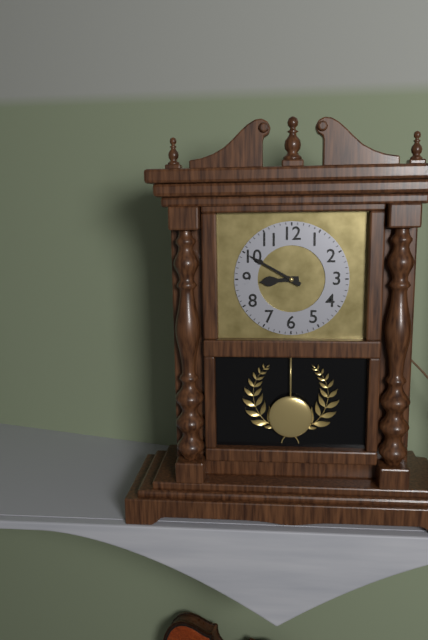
8:50
